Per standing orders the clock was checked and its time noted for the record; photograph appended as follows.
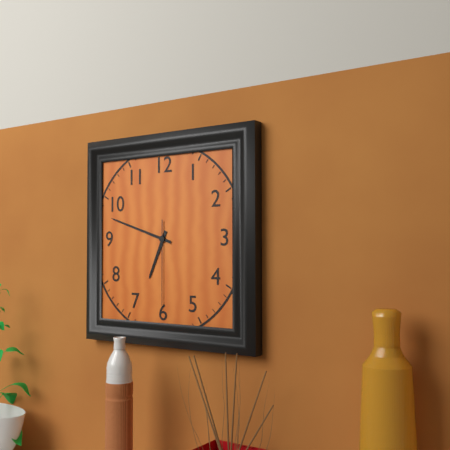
6:48:30
